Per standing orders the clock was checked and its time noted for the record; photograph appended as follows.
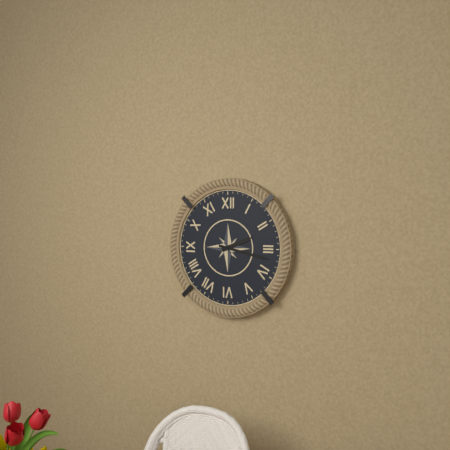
2:17
